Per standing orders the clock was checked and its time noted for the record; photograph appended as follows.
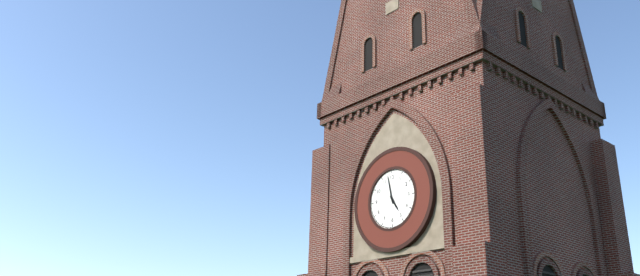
4:58
